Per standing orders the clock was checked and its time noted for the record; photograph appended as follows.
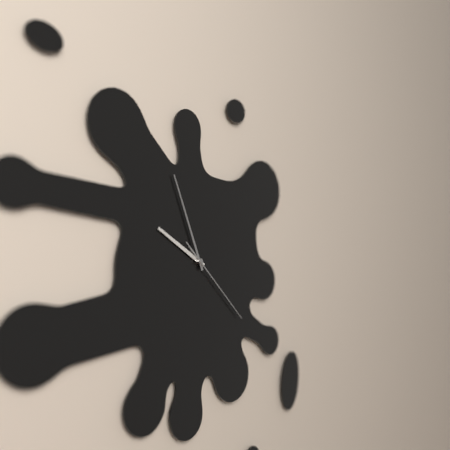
9:56:22
